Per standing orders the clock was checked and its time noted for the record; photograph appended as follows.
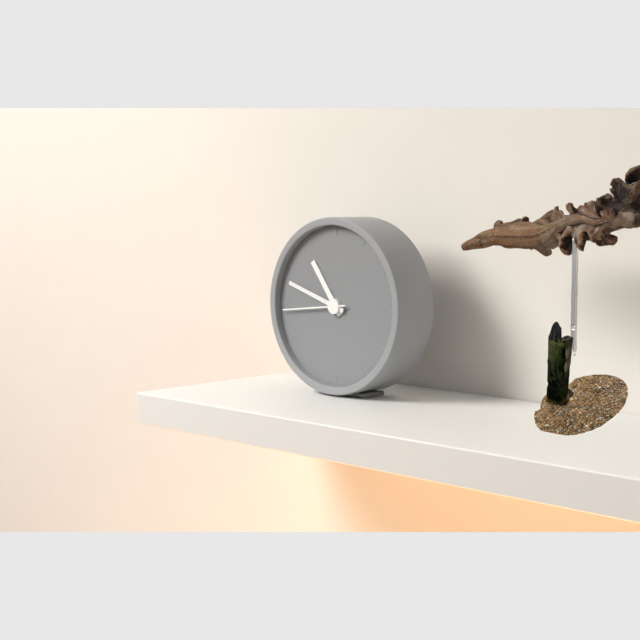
10:48:44
